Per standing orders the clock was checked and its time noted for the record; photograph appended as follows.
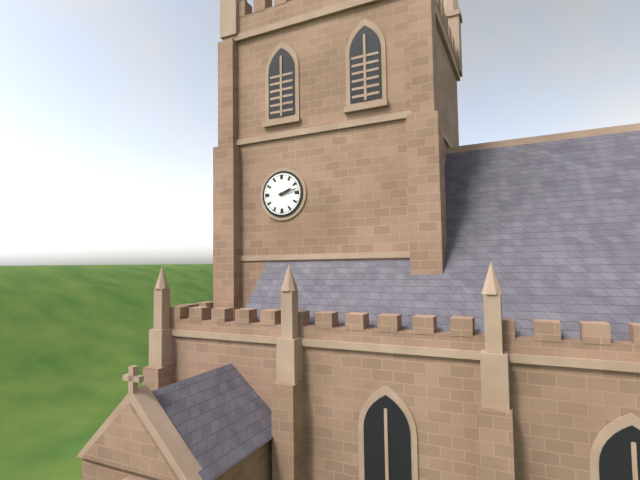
2:13
